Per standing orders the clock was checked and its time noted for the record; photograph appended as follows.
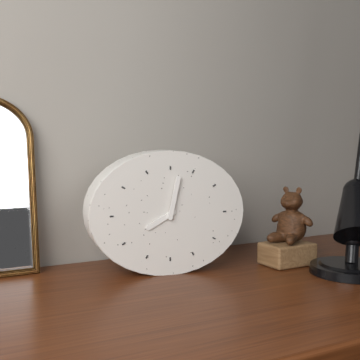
8:02
